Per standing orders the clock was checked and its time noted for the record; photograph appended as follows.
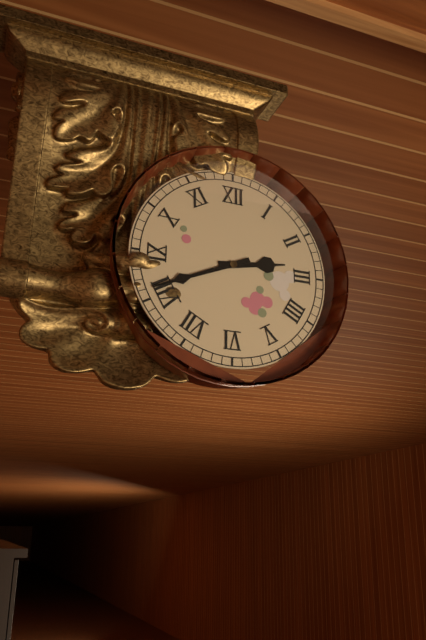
2:41
